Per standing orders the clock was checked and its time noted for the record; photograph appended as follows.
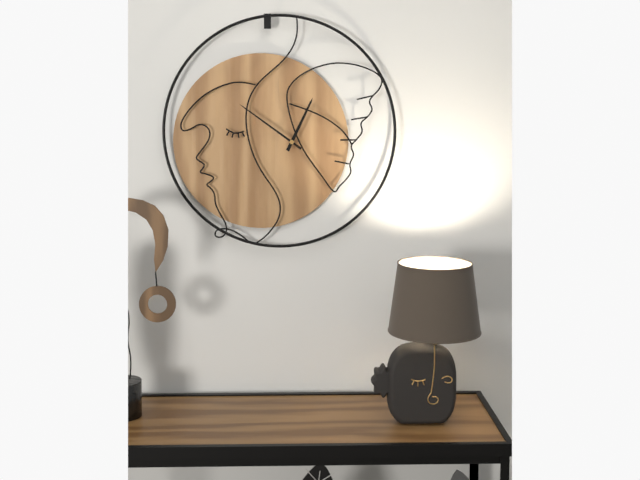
12:51
